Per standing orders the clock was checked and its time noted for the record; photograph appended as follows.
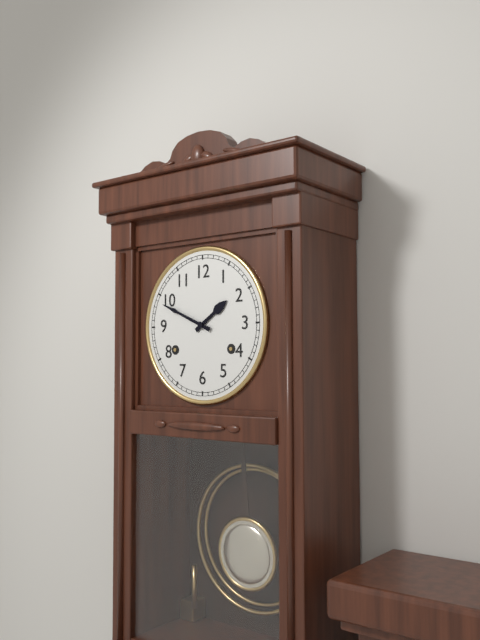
1:49
